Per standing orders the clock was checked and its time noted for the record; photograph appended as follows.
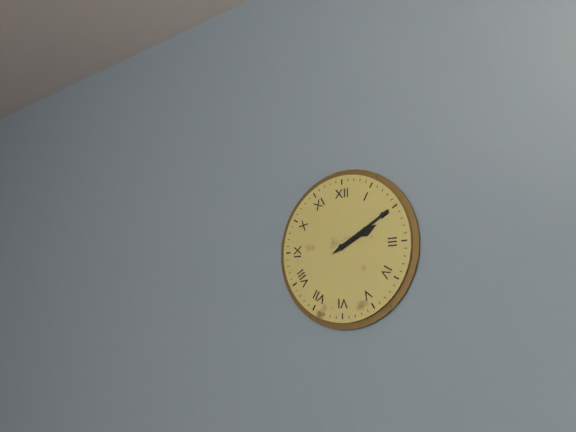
2:10
